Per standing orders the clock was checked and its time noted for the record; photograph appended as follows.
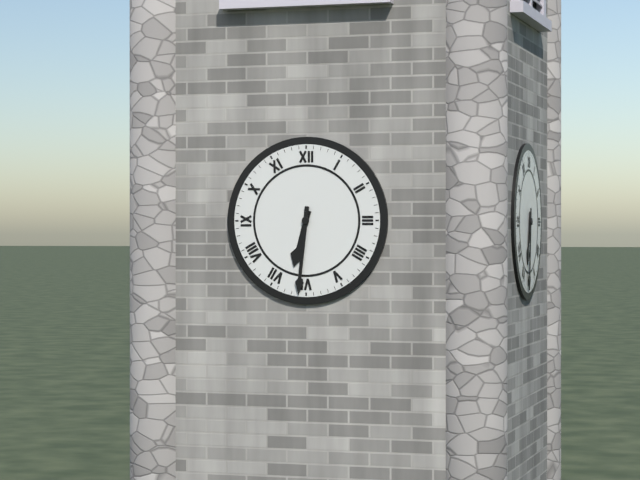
6:31
